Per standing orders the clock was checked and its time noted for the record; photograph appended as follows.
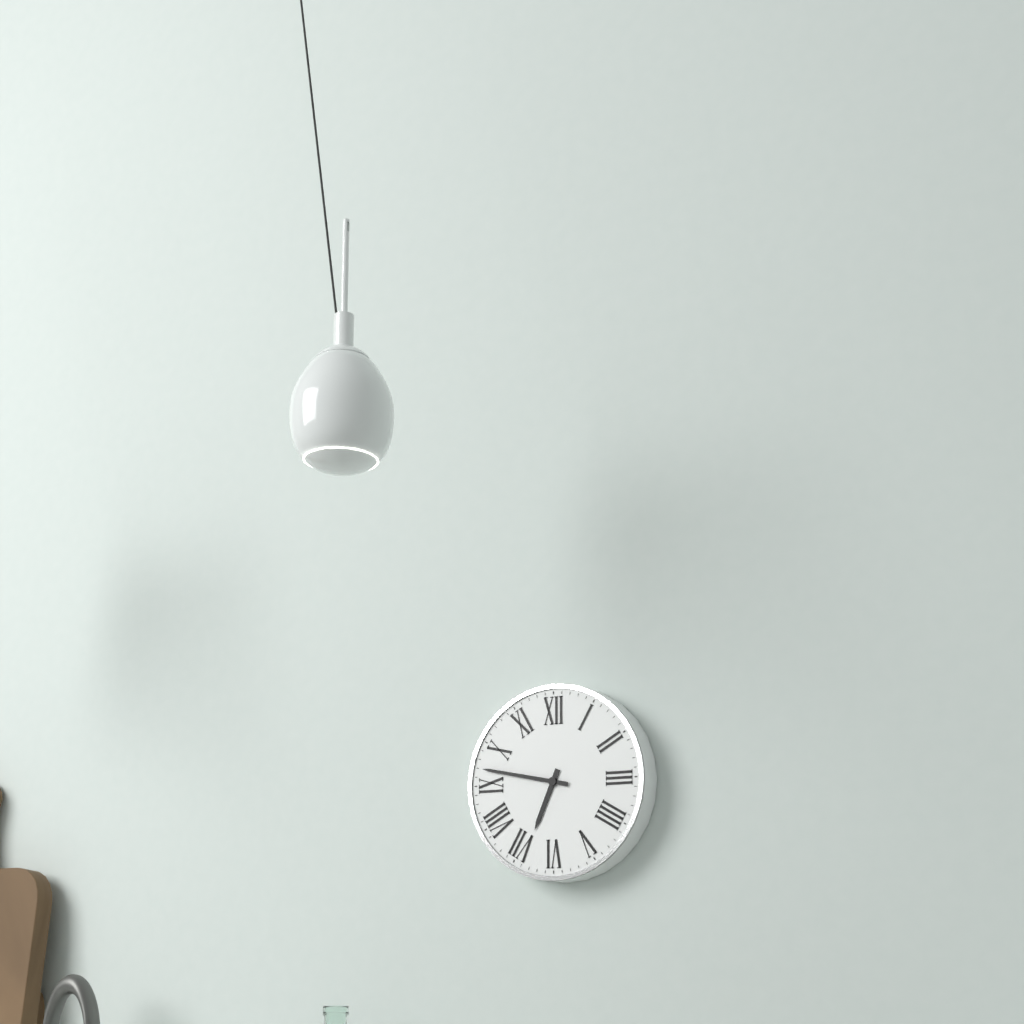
6:47
